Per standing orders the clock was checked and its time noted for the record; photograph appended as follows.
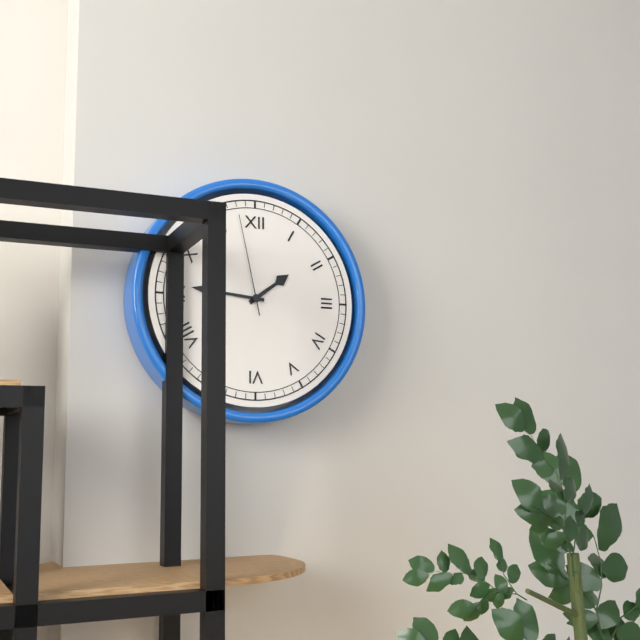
1:46:58
